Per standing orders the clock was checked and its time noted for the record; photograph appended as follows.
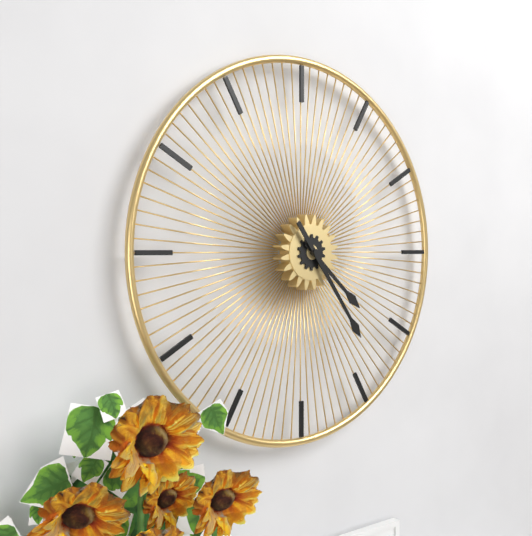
4:24
